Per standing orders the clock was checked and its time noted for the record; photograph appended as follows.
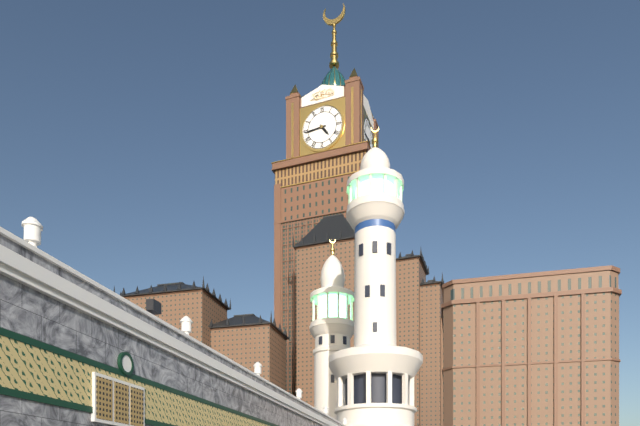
4:44
